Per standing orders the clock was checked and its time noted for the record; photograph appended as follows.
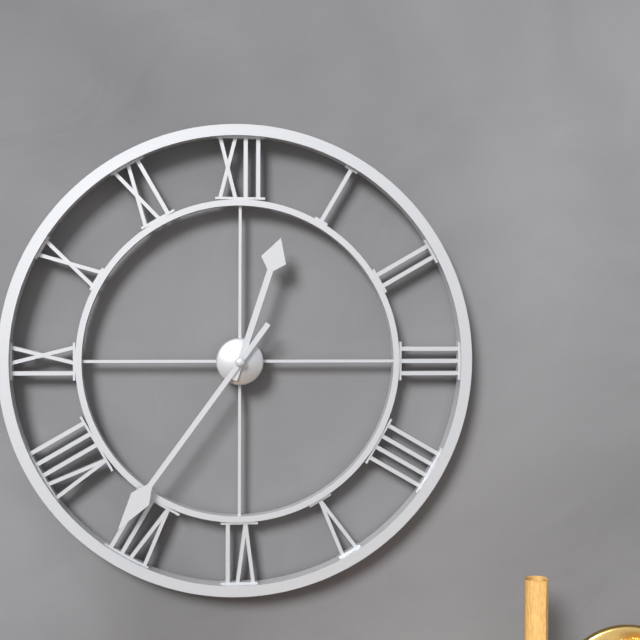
12:36
